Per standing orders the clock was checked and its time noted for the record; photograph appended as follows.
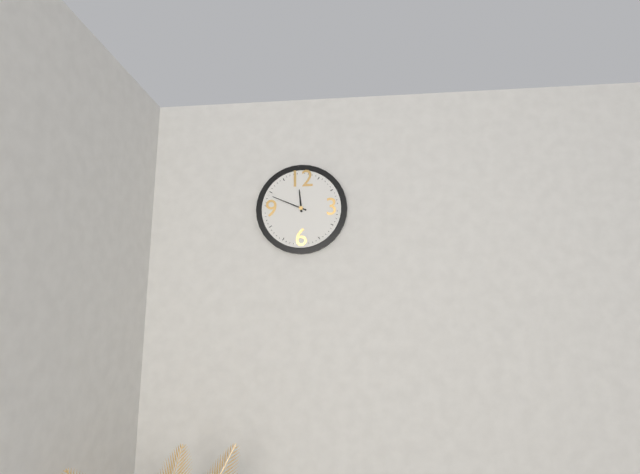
11:49
